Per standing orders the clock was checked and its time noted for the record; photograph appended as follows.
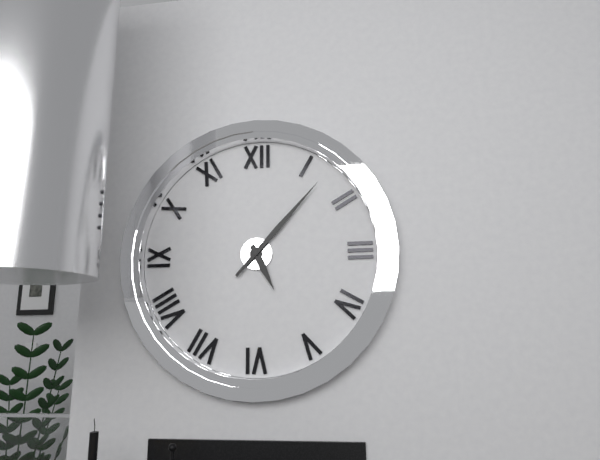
5:07
